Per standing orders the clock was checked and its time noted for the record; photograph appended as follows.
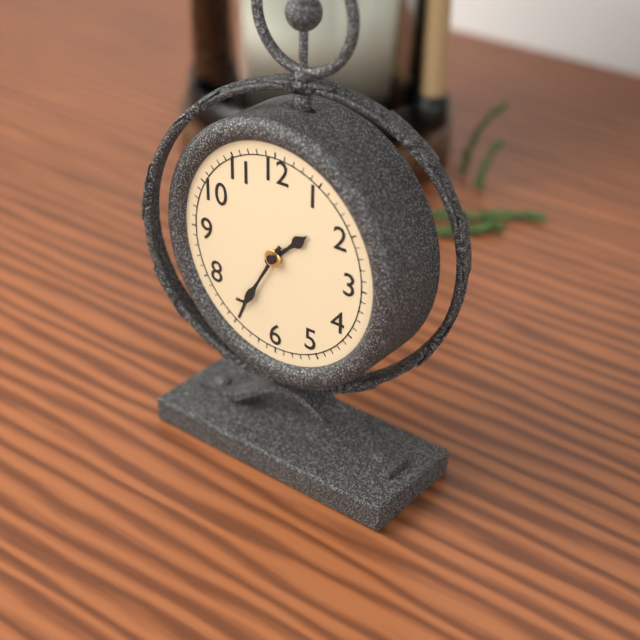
1:35
